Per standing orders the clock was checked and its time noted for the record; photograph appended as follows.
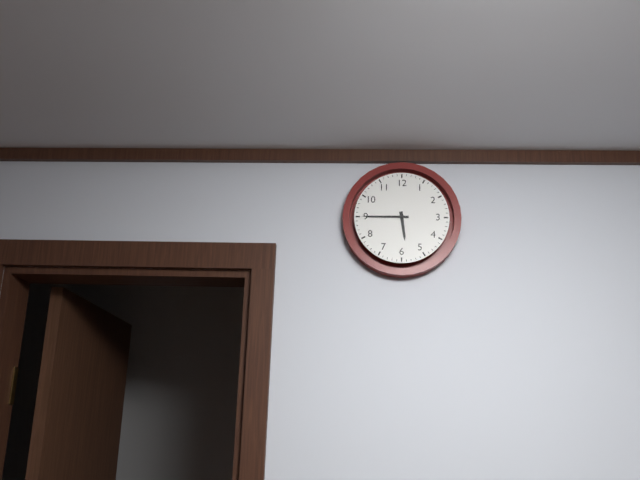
5:45
